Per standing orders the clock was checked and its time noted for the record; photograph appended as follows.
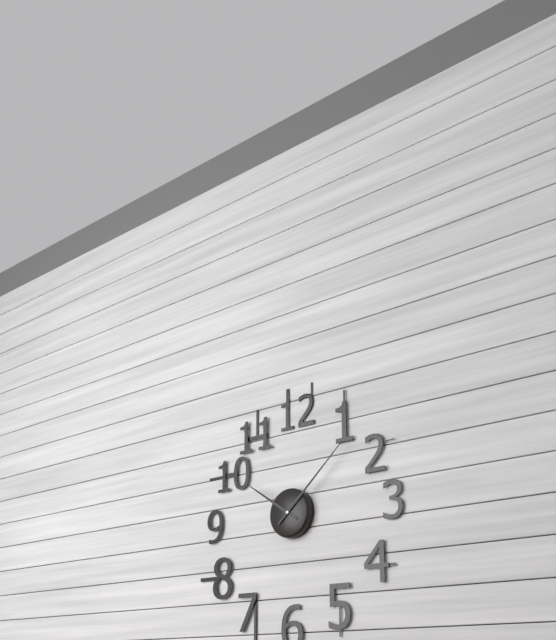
10:08
